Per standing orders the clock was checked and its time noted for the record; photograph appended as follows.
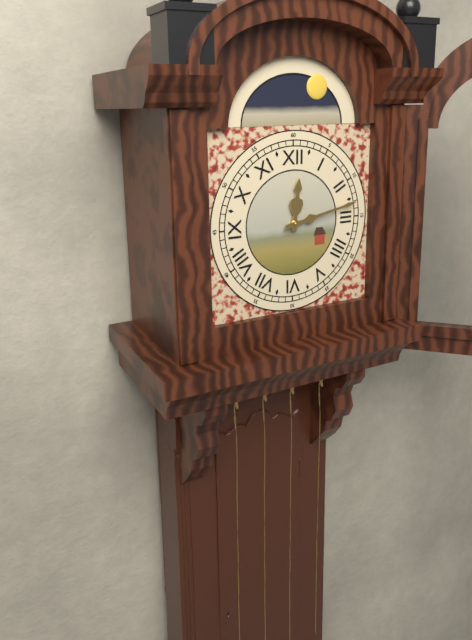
12:13
